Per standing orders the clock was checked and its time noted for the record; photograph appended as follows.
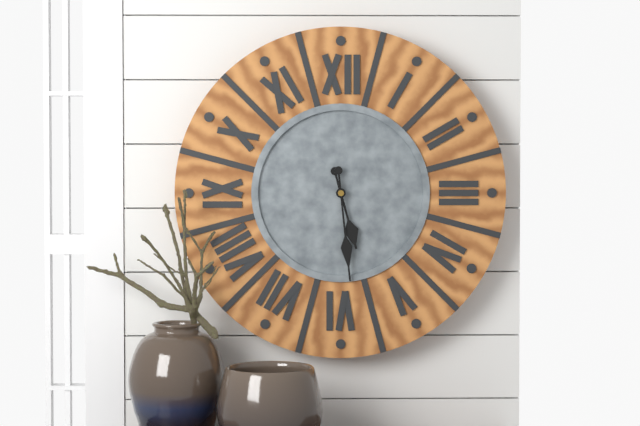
5:29
